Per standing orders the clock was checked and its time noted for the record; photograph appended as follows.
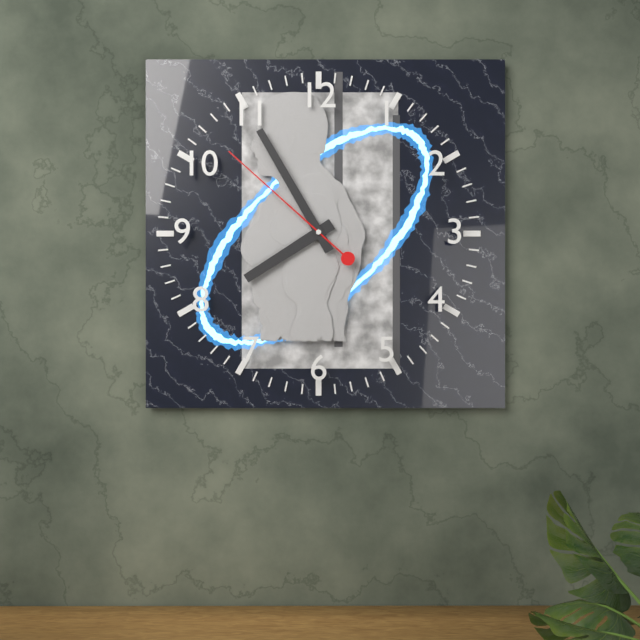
7:55:52
